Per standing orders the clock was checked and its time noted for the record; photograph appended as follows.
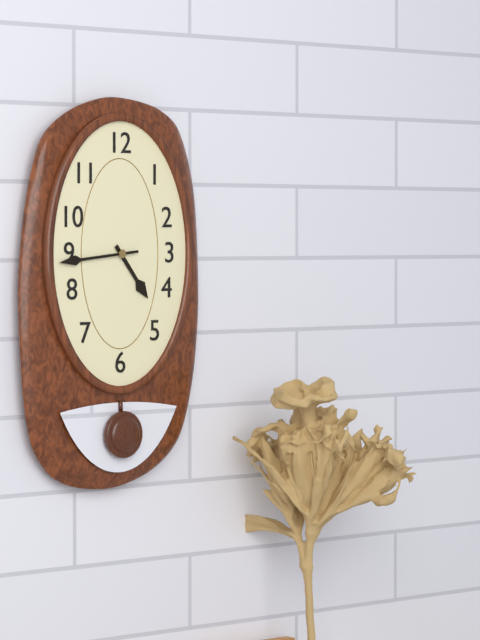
4:44
